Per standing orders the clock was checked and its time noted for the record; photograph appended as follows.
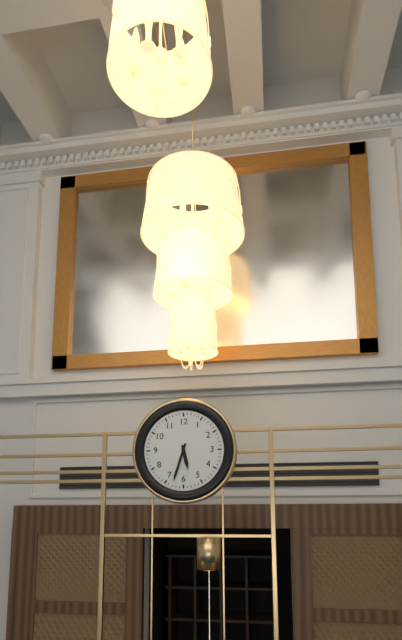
5:33
